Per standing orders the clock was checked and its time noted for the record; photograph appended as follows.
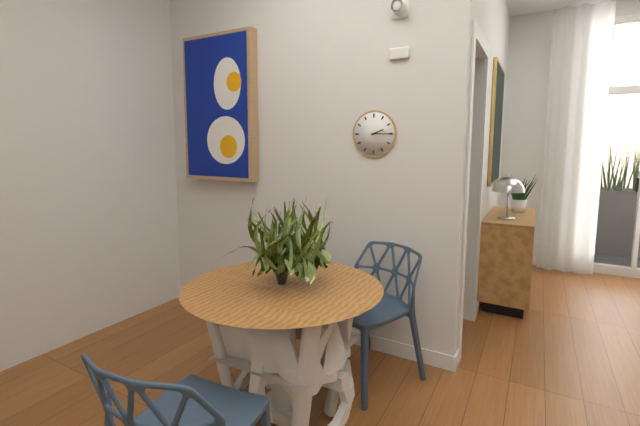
2:15
